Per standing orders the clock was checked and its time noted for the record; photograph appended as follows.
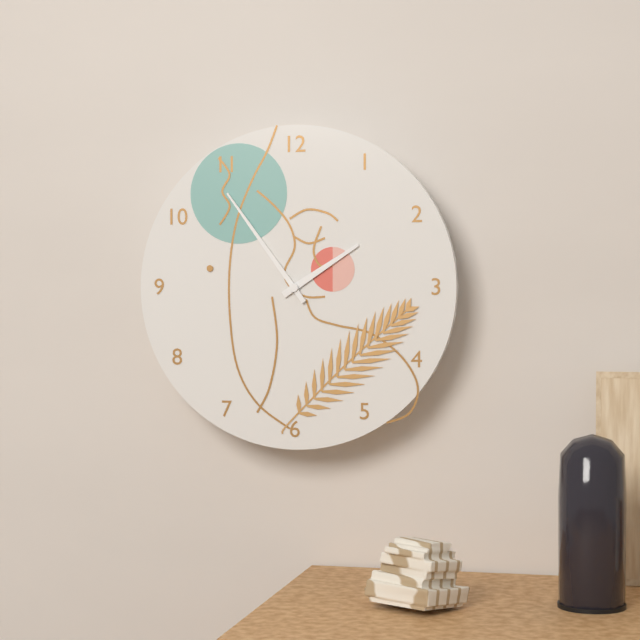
1:54
